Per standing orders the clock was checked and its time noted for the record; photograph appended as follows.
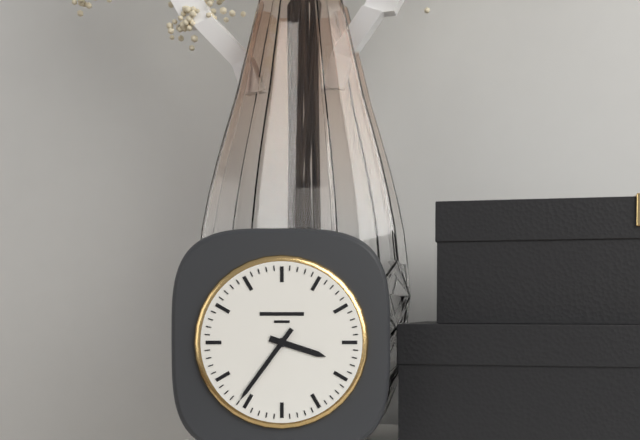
3:36
